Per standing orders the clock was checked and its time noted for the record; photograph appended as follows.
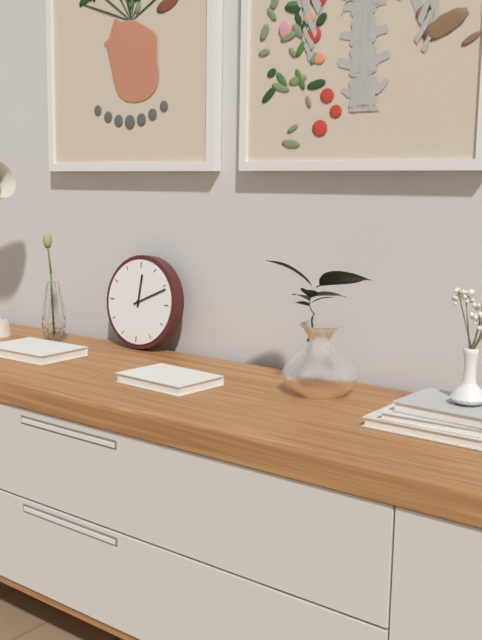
12:11
